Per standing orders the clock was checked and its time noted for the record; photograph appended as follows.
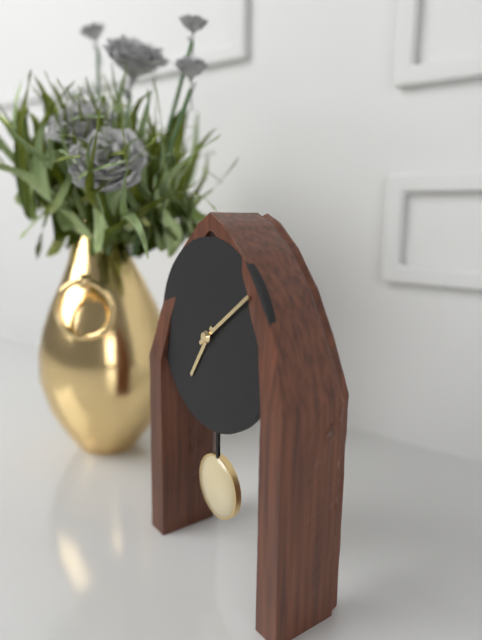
7:09
